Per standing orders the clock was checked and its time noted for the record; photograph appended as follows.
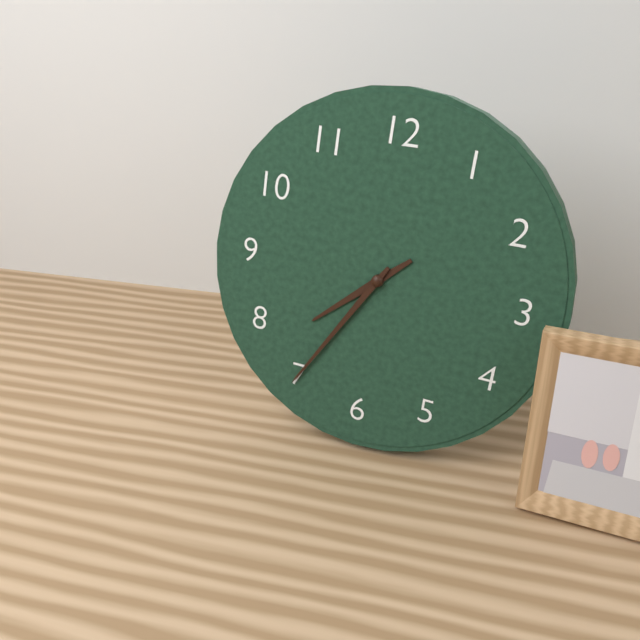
7:35
